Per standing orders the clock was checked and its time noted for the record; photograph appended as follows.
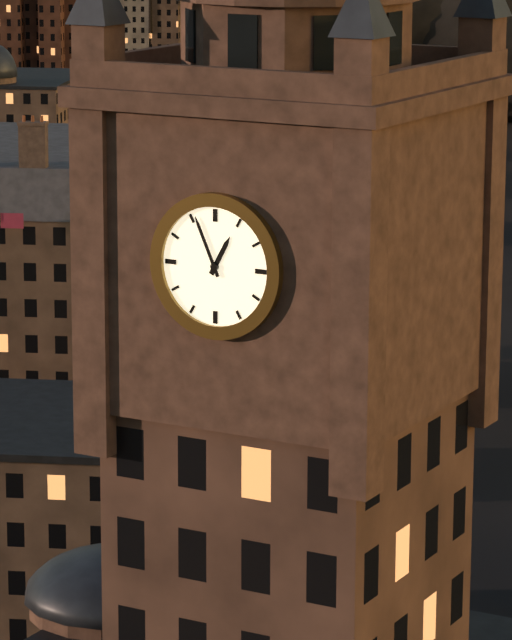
12:56
